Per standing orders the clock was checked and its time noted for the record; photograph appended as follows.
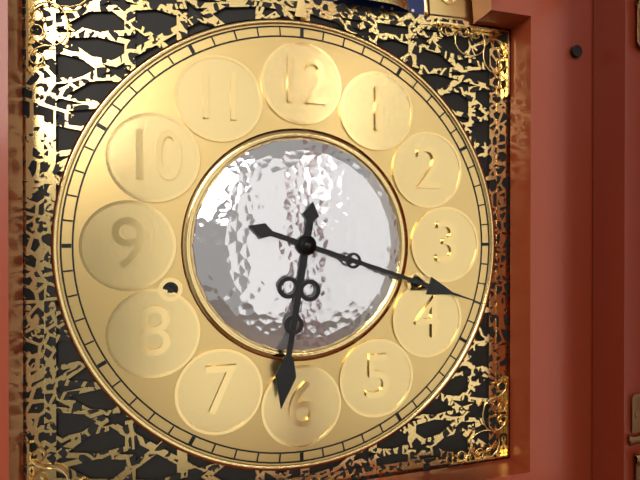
6:18
